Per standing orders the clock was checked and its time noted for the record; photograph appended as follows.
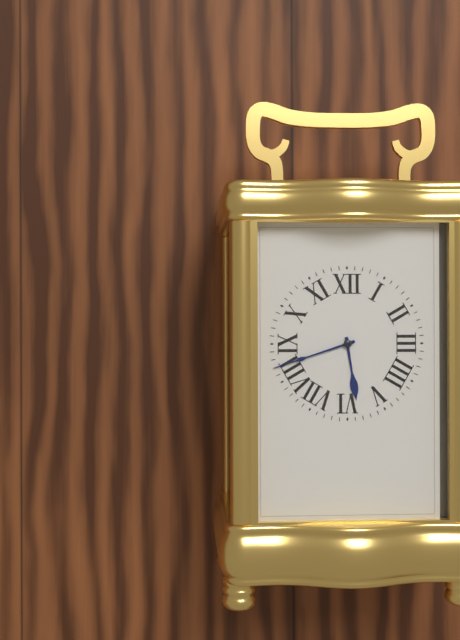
5:42
